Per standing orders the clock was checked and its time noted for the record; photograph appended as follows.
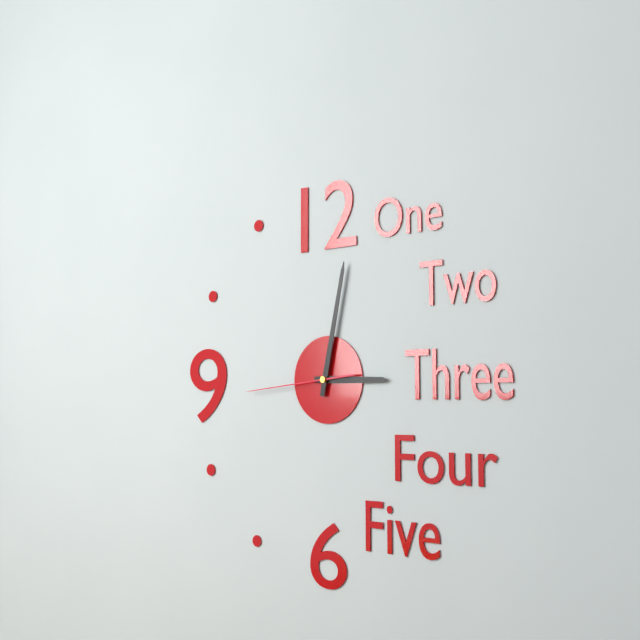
3:02:44
